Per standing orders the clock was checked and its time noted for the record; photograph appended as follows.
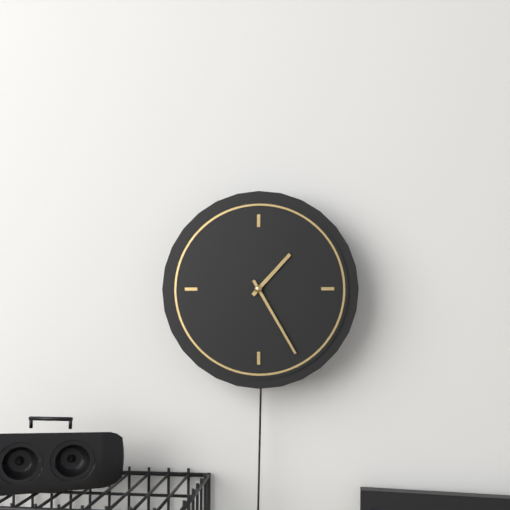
1:25
